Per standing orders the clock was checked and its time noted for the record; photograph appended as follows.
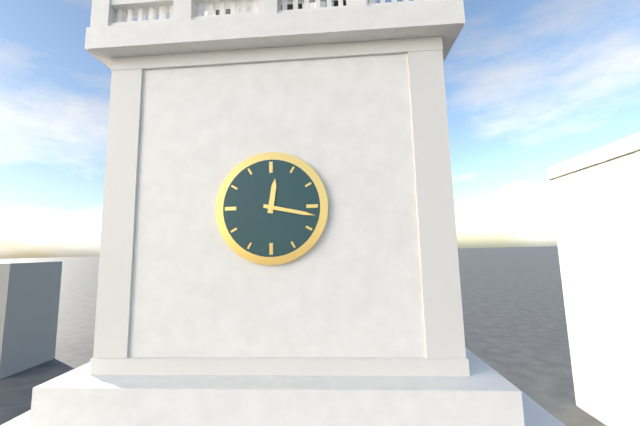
12:17
